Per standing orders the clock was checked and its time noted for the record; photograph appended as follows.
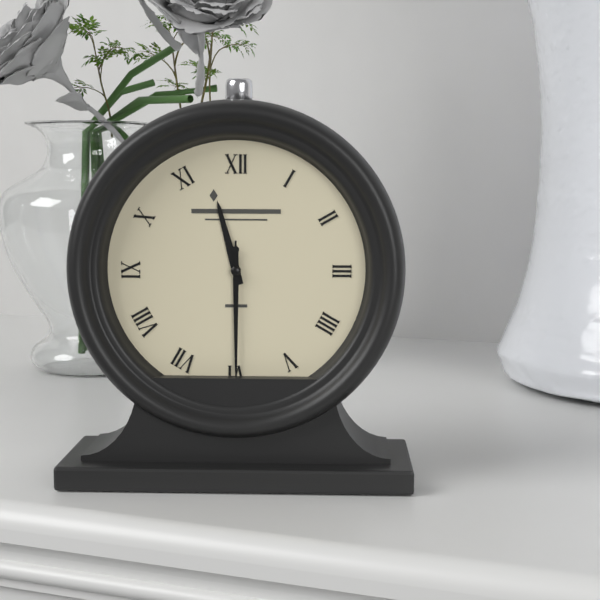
11:30:30
